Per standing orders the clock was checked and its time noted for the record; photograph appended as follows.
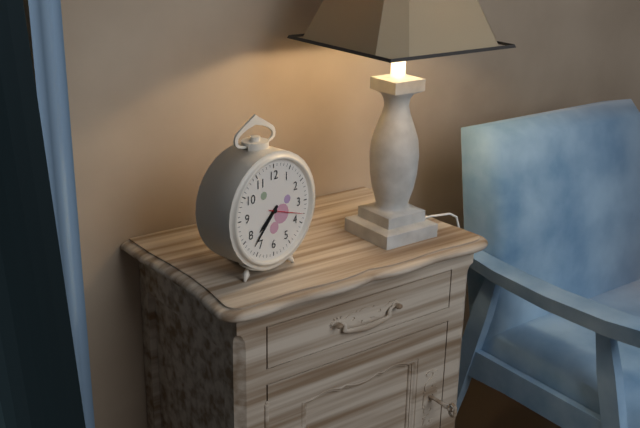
7:37
